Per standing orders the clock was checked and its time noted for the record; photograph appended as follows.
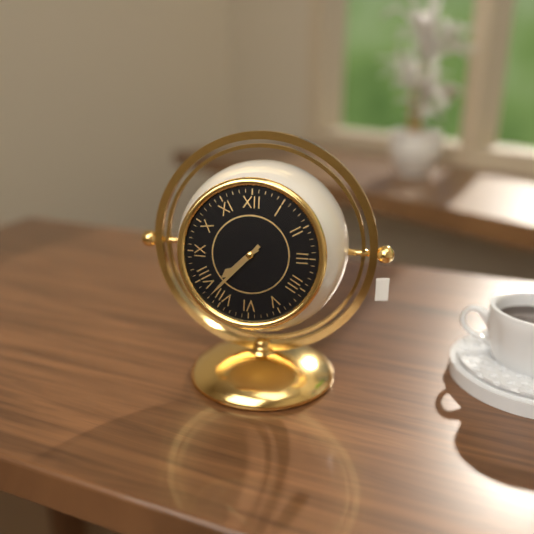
7:37
